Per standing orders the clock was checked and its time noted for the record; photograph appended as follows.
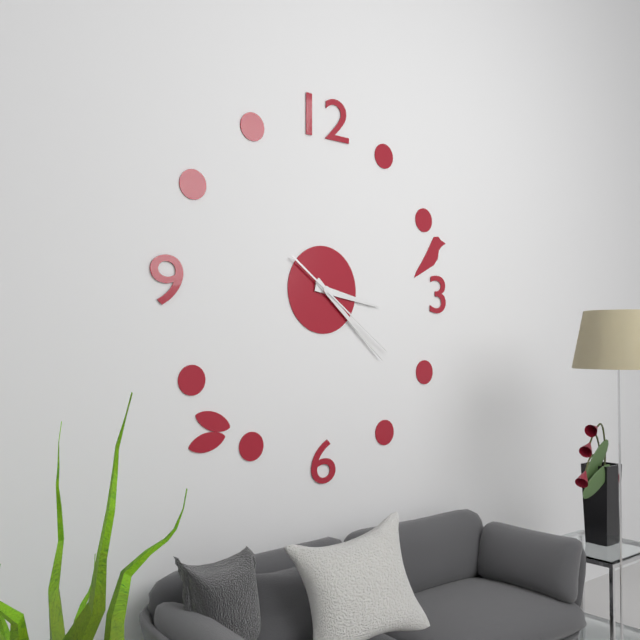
3:22:21
